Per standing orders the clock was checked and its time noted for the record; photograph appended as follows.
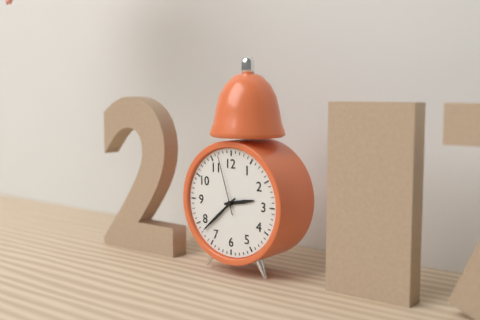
2:38:57
